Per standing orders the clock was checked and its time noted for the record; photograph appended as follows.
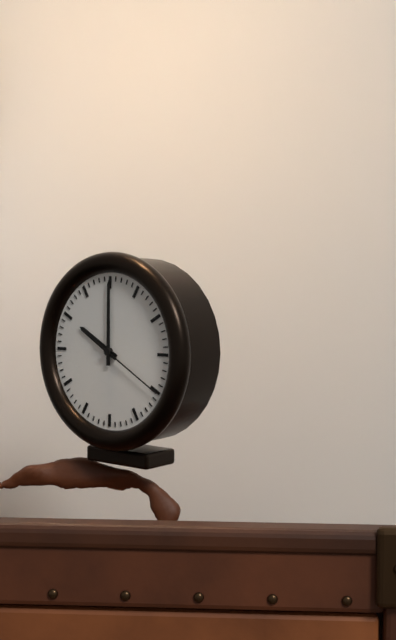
10:00:20
